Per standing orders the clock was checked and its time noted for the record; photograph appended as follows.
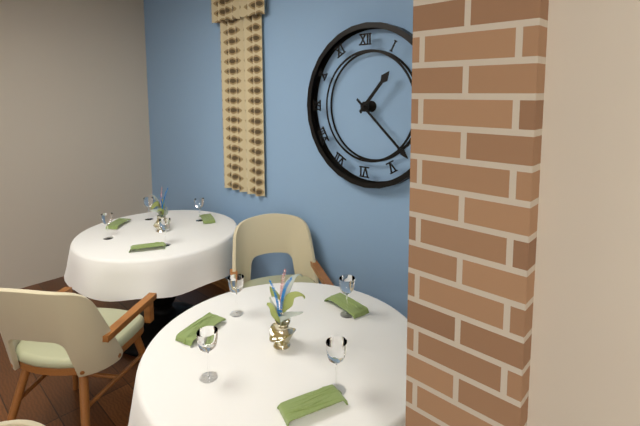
1:22
